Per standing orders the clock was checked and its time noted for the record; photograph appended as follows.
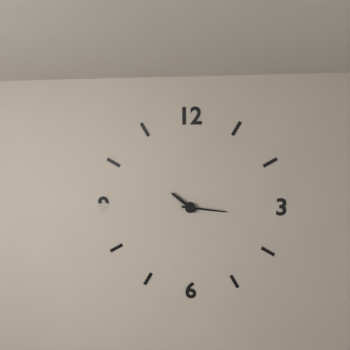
10:16
